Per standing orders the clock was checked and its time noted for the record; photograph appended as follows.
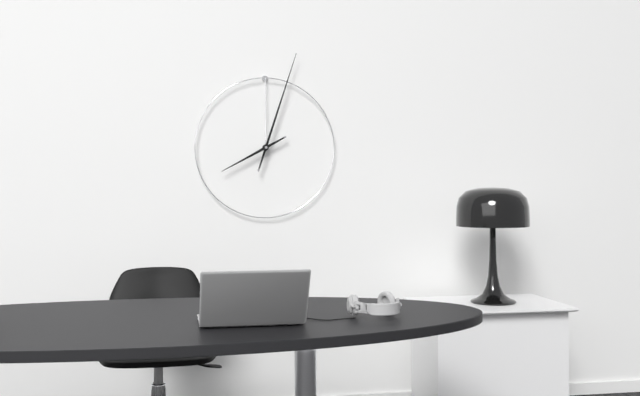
8:03
